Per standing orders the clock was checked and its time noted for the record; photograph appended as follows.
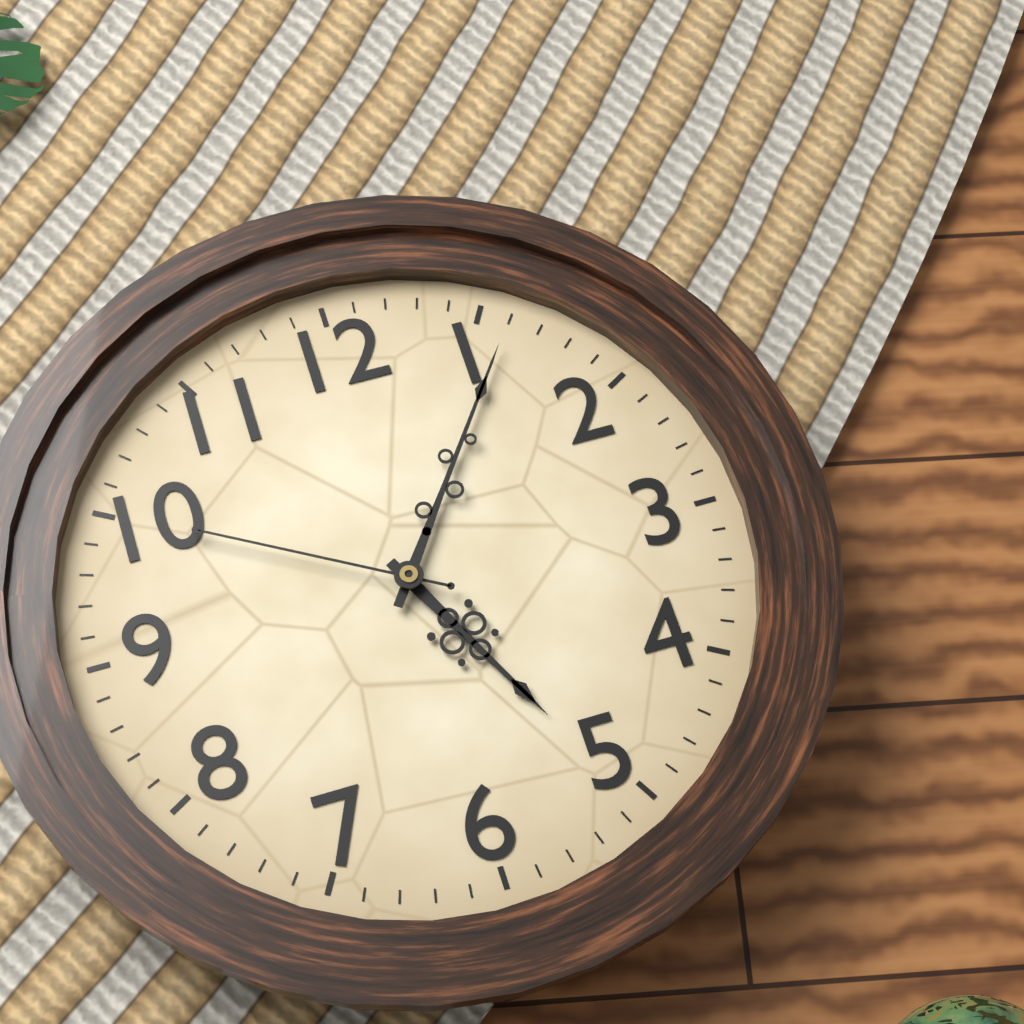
5:06:50
